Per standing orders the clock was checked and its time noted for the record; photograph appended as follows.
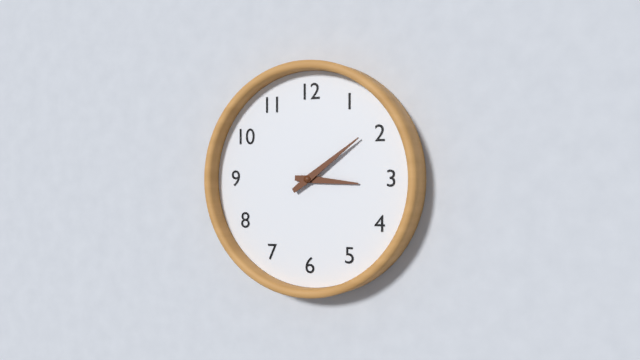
3:09
